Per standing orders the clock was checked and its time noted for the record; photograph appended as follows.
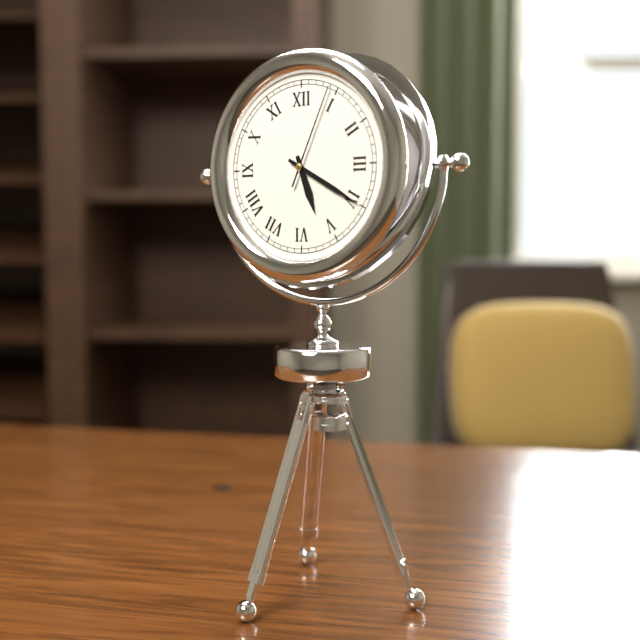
5:20:04
